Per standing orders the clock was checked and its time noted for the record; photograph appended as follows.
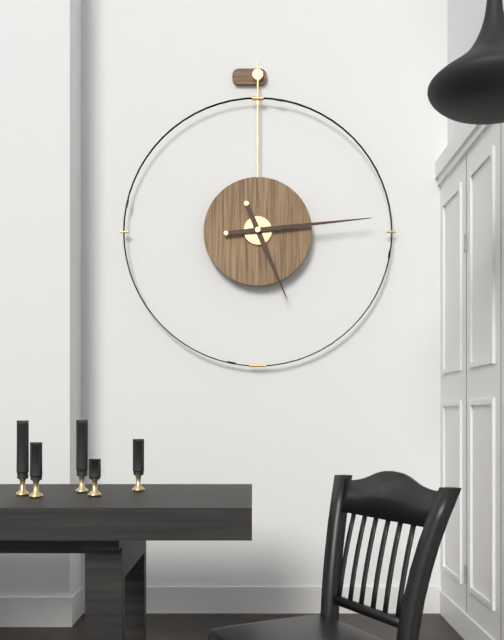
5:14
